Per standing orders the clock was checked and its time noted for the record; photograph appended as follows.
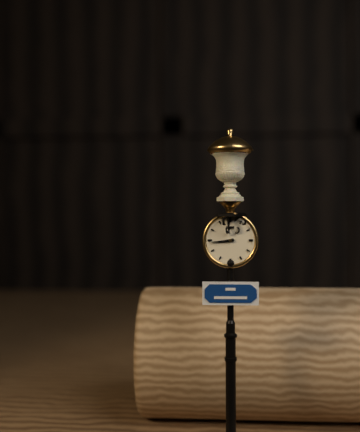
8:44
